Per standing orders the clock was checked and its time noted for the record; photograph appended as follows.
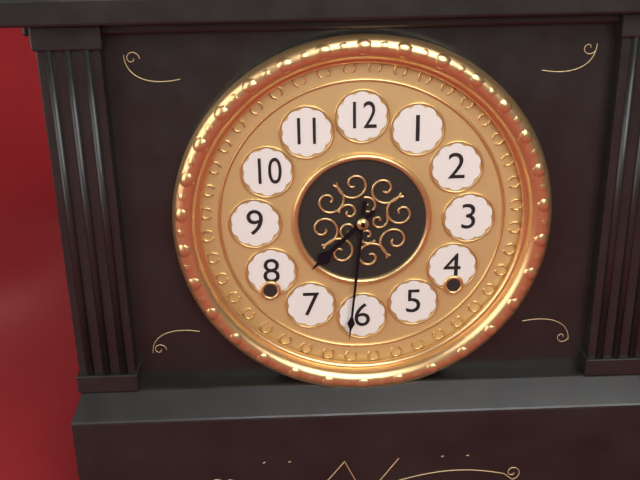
7:31
